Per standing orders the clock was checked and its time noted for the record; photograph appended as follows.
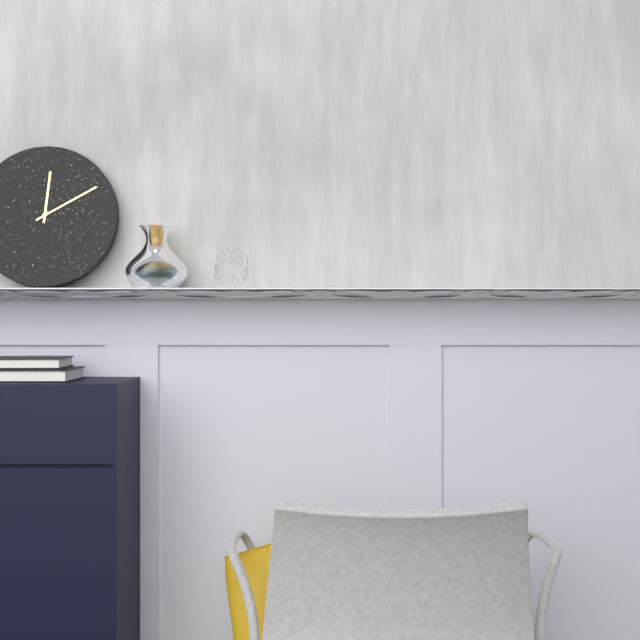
12:10
